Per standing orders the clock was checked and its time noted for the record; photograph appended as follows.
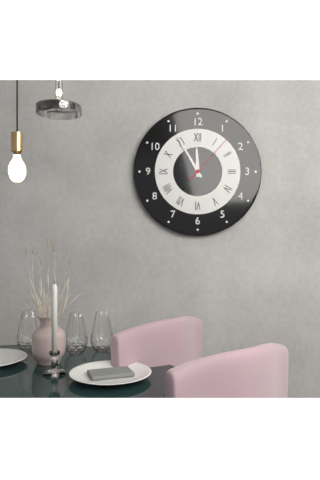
11:55:07
